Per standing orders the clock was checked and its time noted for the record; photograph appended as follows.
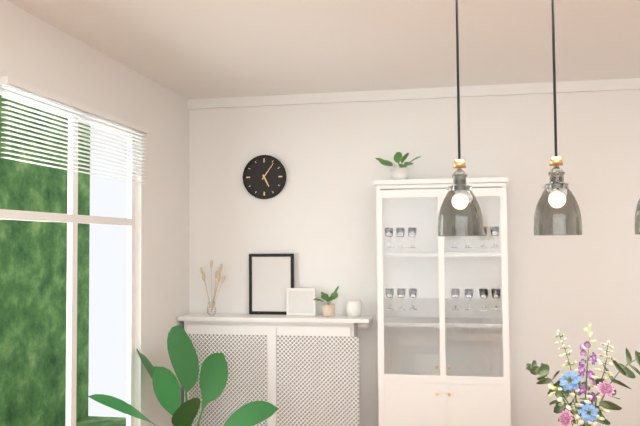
5:06
